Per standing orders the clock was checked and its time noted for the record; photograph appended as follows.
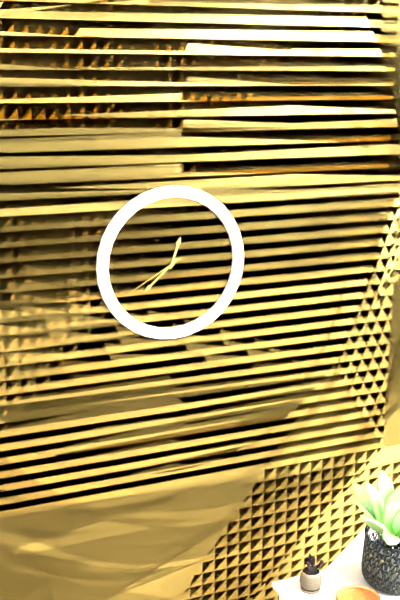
12:38:40
